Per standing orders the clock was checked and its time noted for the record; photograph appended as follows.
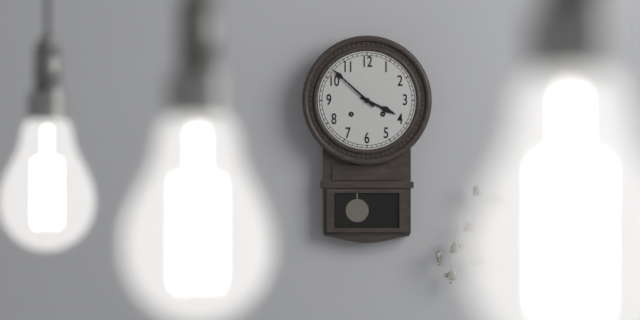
3:52
